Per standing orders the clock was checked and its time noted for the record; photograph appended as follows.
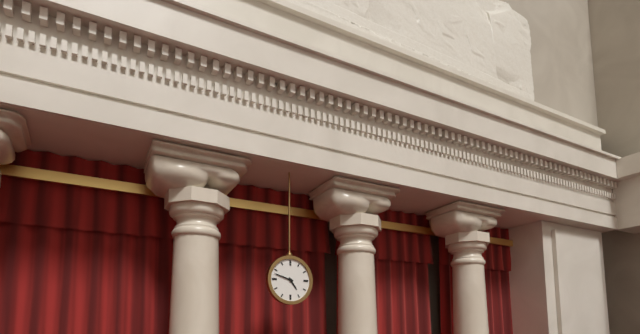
4:48
